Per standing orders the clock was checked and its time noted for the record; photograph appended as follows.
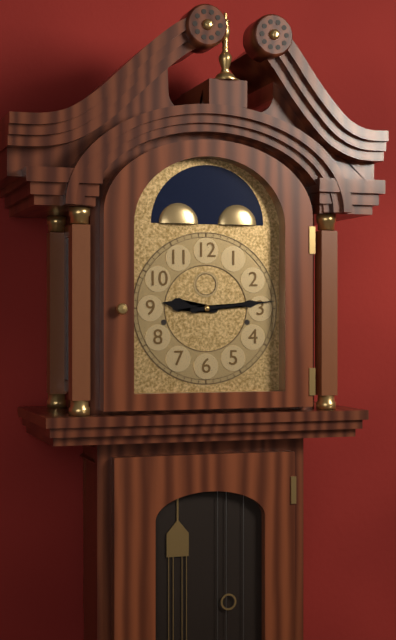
9:14
